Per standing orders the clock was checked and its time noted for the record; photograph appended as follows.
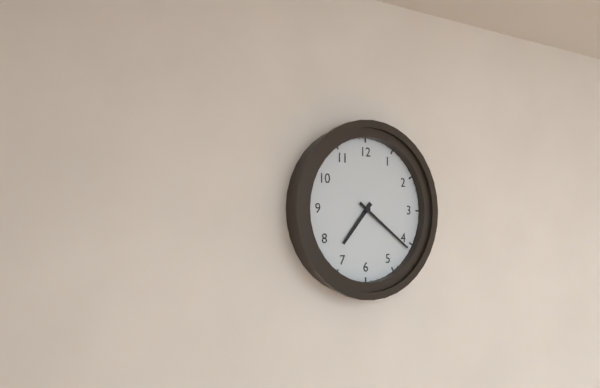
7:21
